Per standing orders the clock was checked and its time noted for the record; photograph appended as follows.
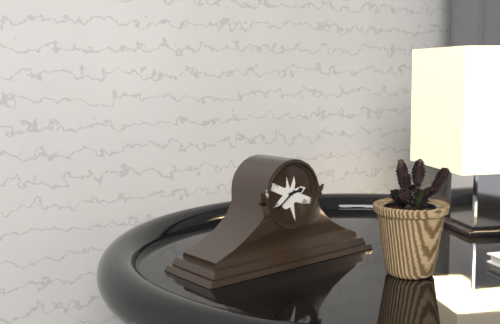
2:39
